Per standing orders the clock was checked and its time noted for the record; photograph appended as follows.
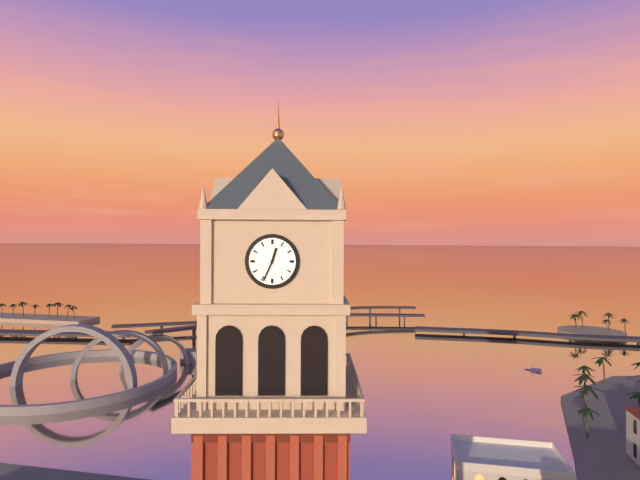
12:34
